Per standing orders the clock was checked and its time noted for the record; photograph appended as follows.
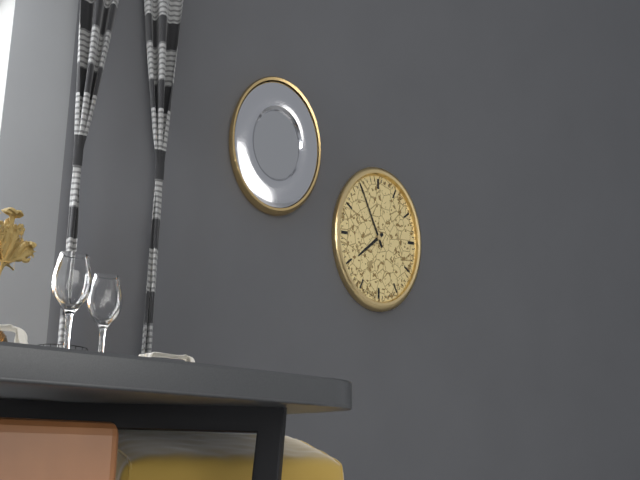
7:55
